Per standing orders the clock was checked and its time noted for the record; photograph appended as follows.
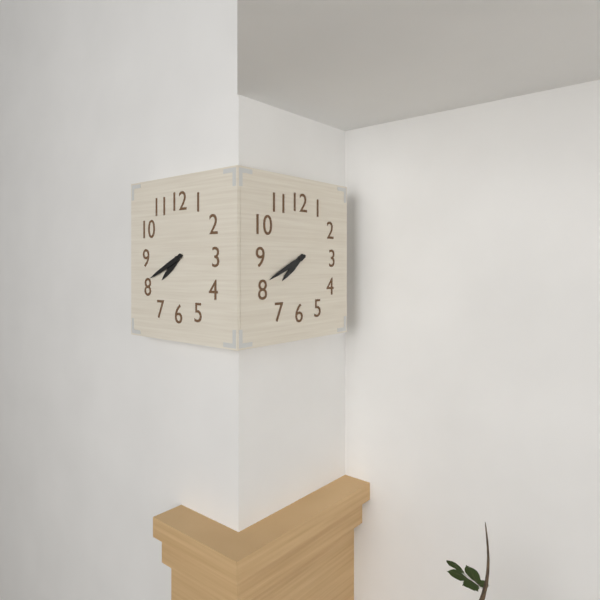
7:41
